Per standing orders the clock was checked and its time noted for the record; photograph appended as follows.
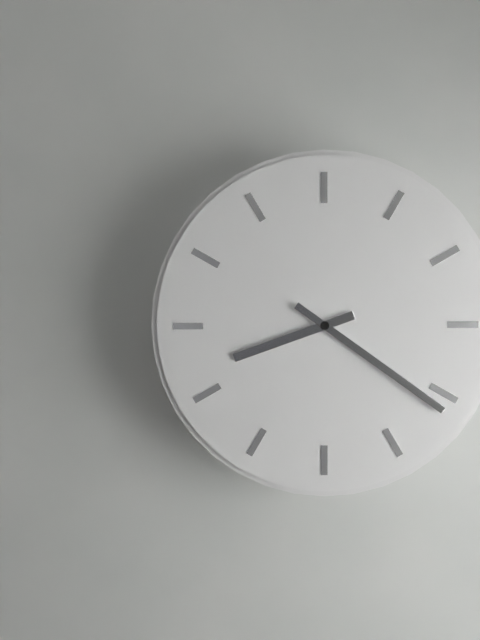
8:21
